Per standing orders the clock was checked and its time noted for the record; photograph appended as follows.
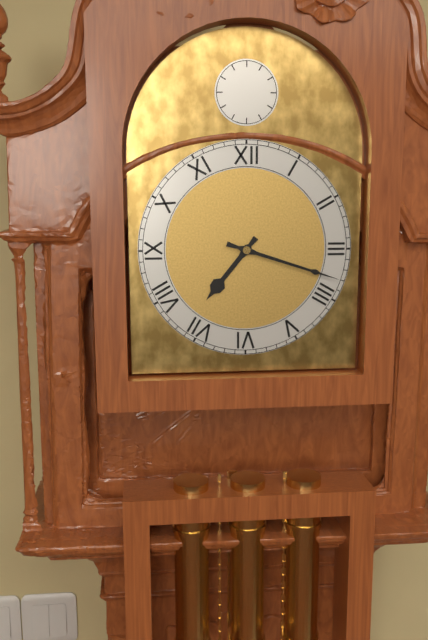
7:18
